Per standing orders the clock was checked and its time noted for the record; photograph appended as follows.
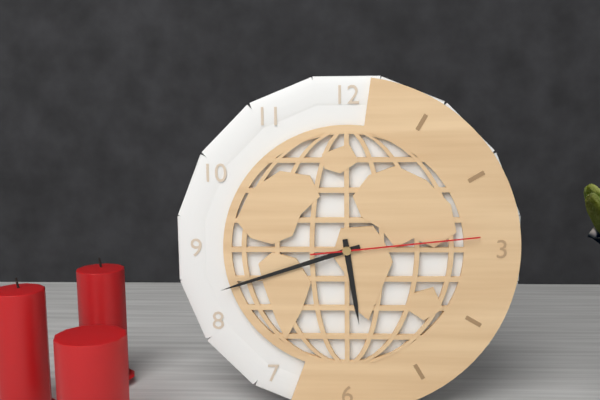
5:42:14
